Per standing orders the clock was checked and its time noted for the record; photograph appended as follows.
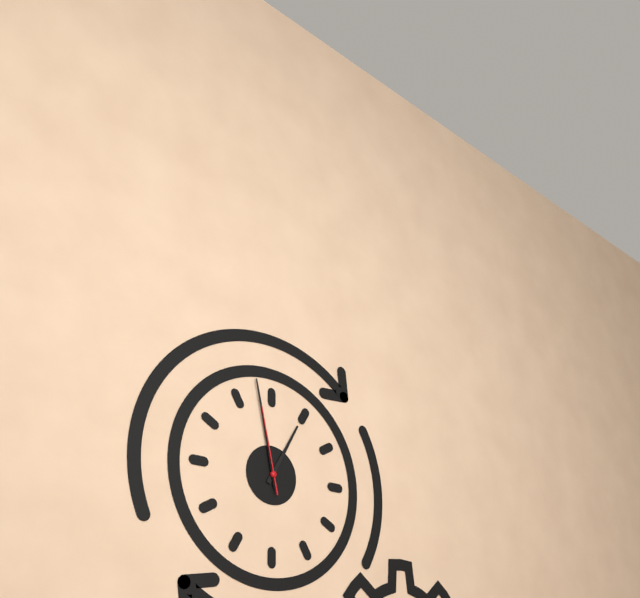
12:58:58
